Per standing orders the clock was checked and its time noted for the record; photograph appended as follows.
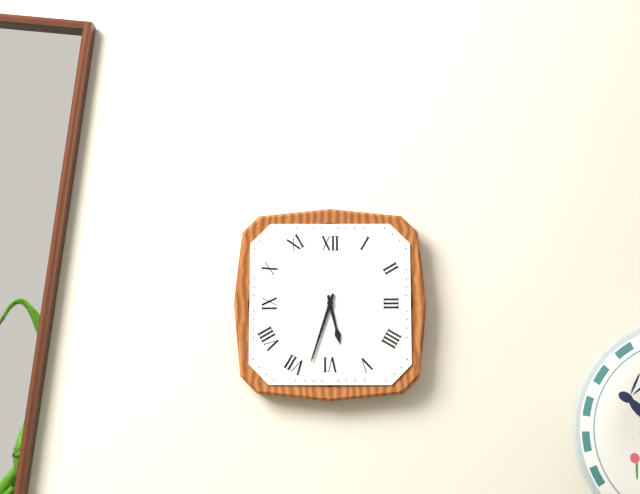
5:33
